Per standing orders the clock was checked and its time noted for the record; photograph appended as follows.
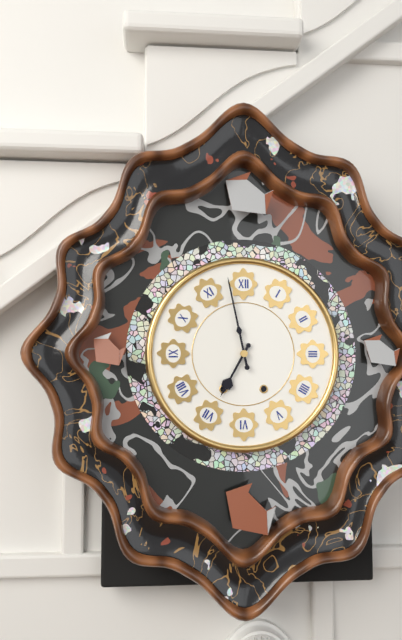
6:58
